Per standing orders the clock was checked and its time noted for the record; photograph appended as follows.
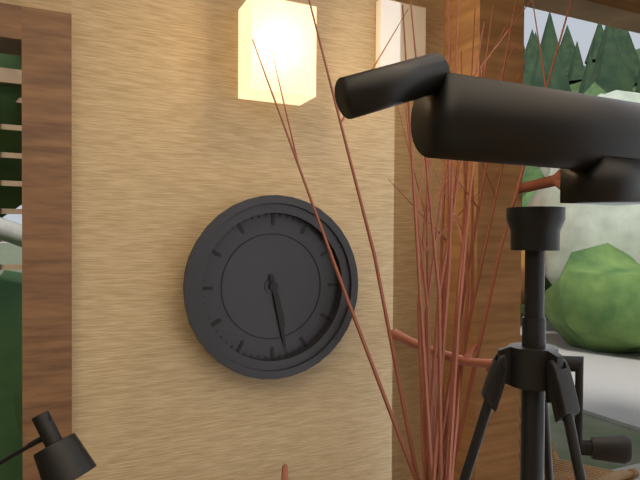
5:28
